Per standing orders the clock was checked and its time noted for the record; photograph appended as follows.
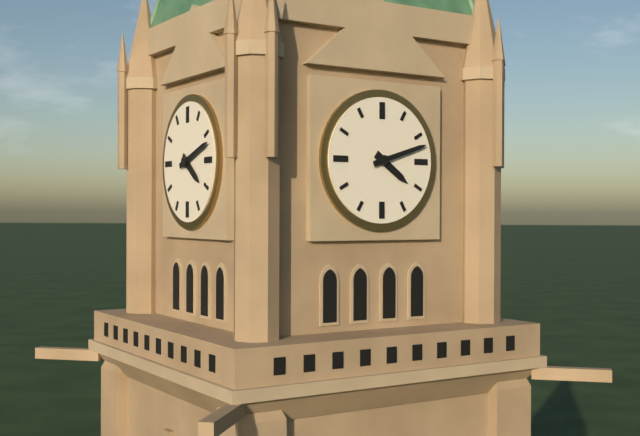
4:12
